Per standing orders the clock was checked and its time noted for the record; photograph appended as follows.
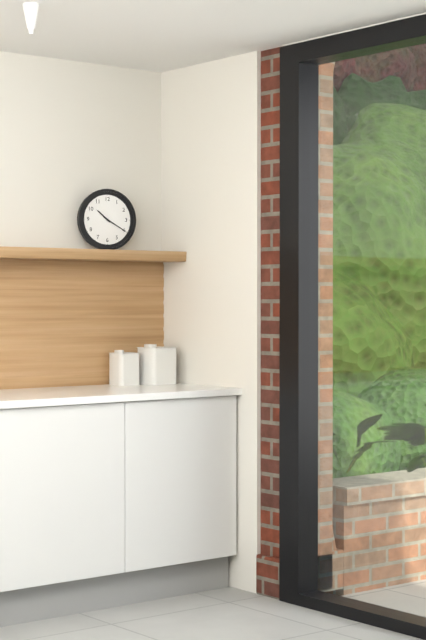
10:20
